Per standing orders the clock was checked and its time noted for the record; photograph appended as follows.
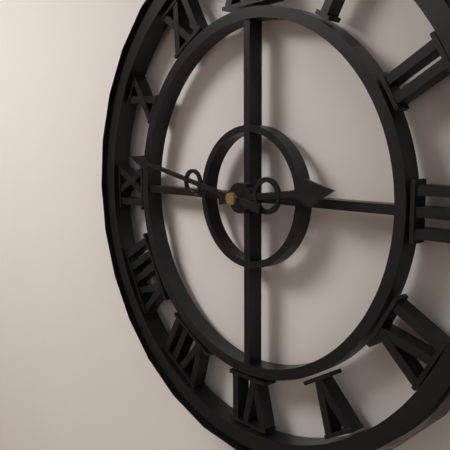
2:47
